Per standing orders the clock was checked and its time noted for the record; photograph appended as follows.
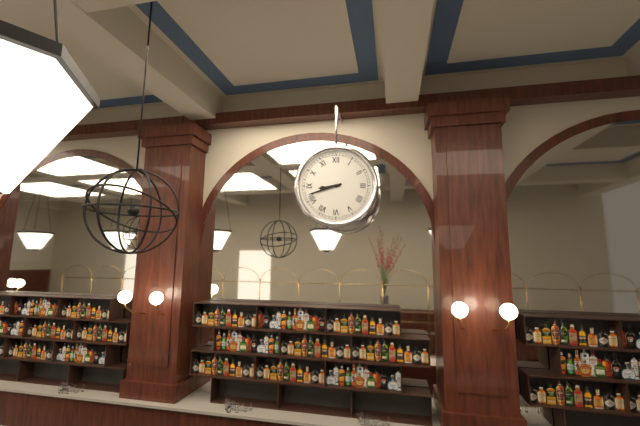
8:42
